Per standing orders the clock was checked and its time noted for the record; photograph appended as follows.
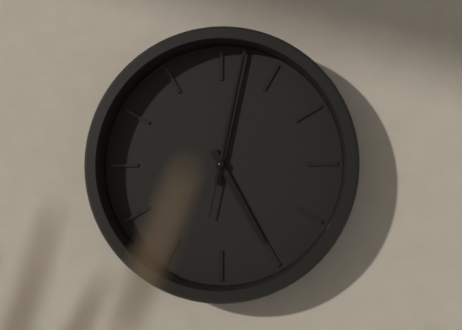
5:02:02
